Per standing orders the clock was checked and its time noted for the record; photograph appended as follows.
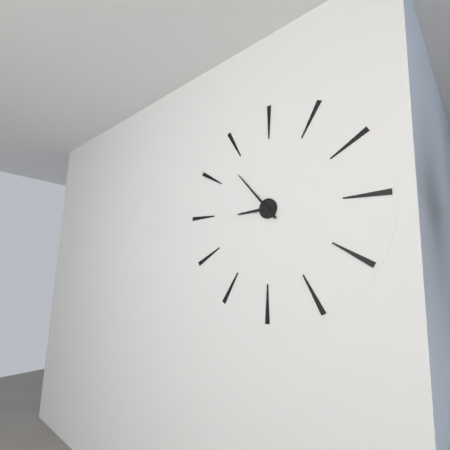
8:53
